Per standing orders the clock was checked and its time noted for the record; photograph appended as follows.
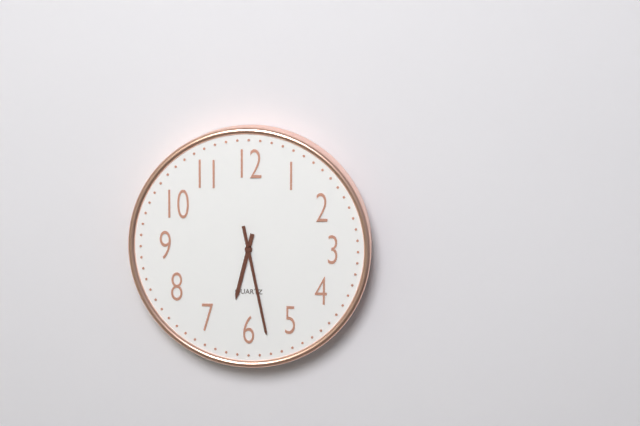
6:28
